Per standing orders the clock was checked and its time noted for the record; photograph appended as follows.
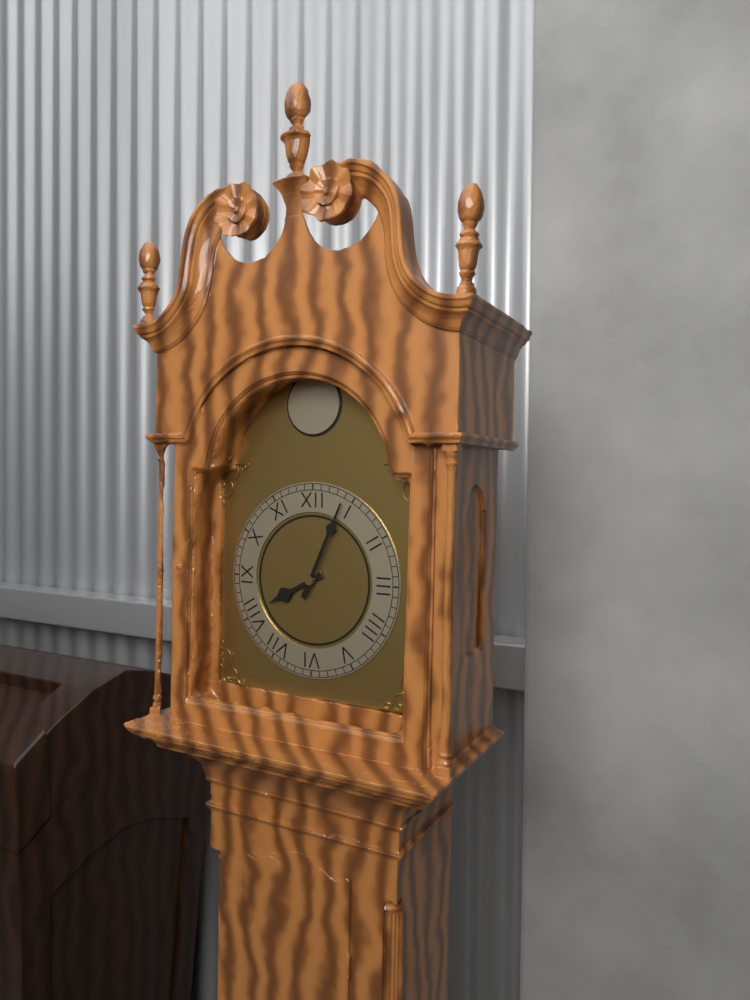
8:04
